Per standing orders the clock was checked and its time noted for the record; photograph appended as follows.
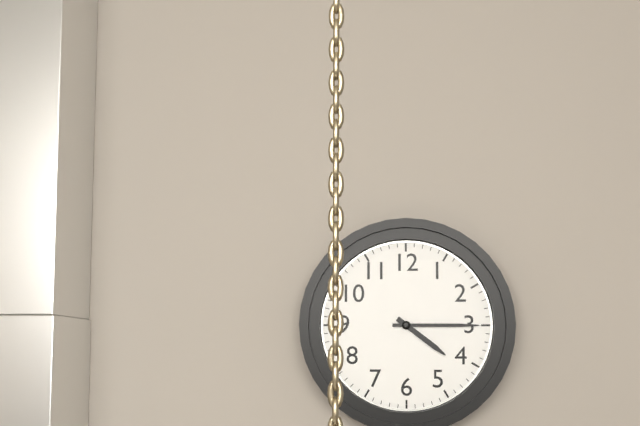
4:15
